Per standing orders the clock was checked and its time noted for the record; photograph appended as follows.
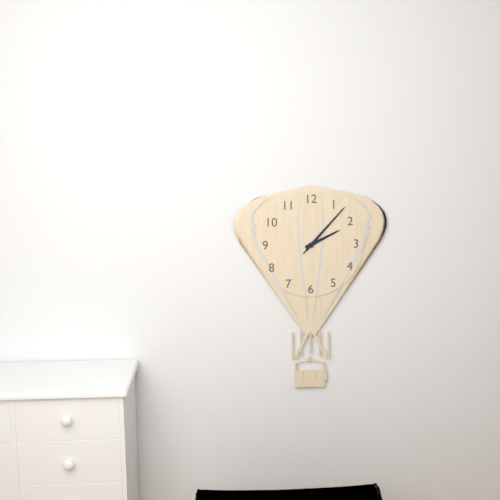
2:07:07
